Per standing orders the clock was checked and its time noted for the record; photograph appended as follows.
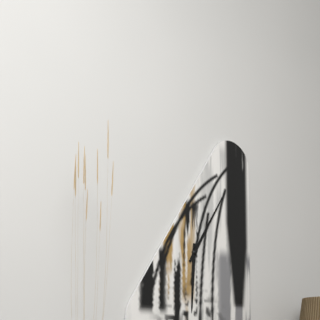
6:05
